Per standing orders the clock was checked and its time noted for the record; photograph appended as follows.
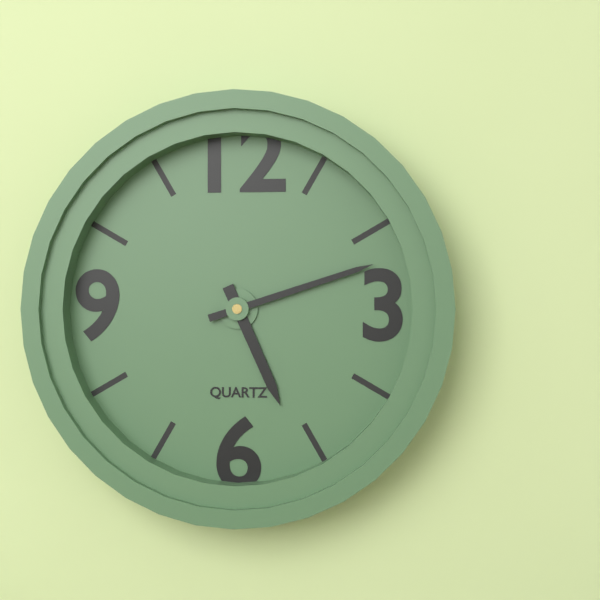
5:12
